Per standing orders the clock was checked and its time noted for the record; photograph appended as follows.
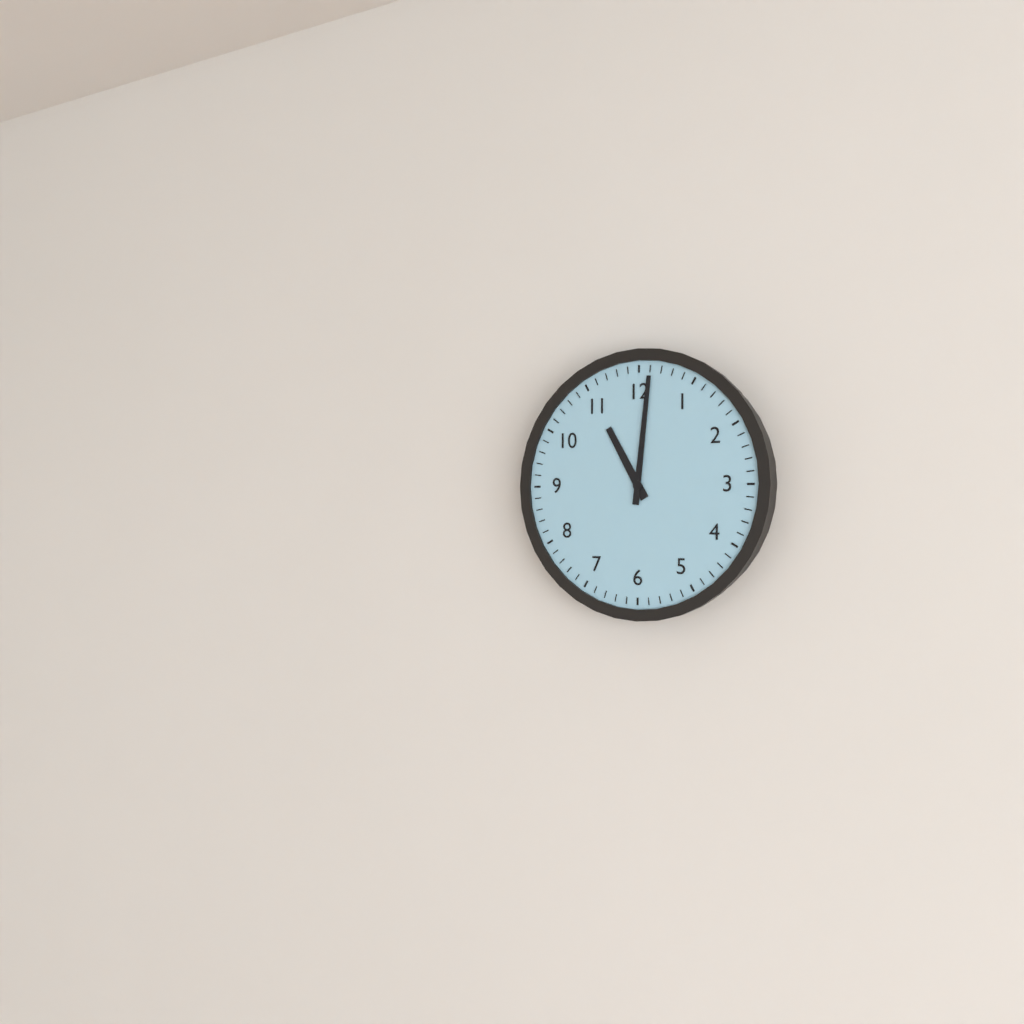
11:01
